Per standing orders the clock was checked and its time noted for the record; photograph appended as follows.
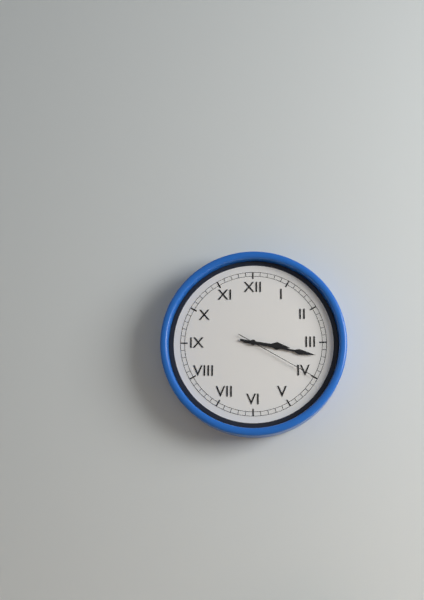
3:17:20
